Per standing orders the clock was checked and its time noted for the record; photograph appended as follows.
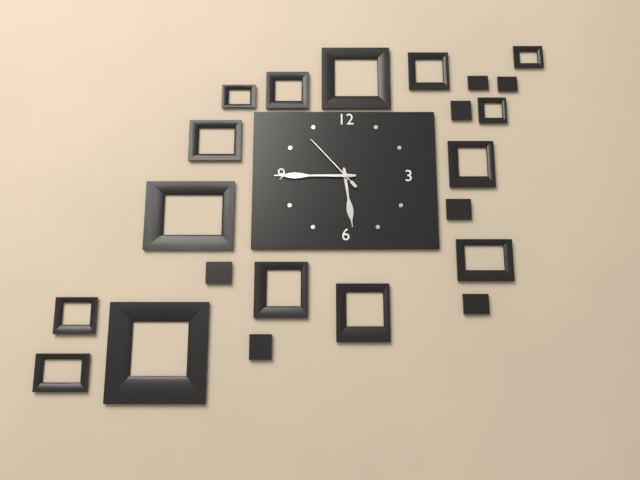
5:45:53
